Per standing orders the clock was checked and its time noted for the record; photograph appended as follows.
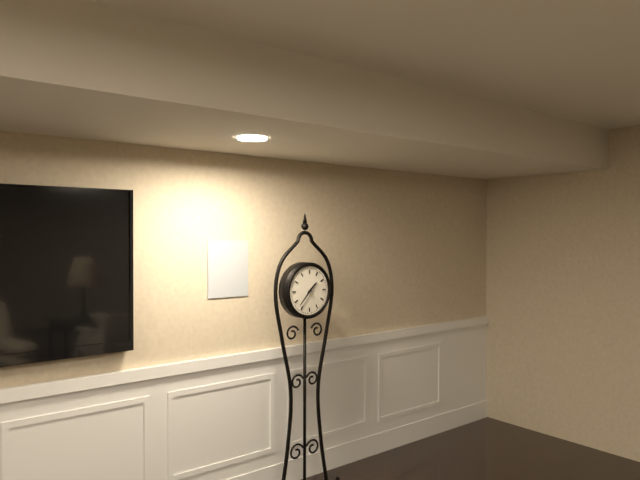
1:37
